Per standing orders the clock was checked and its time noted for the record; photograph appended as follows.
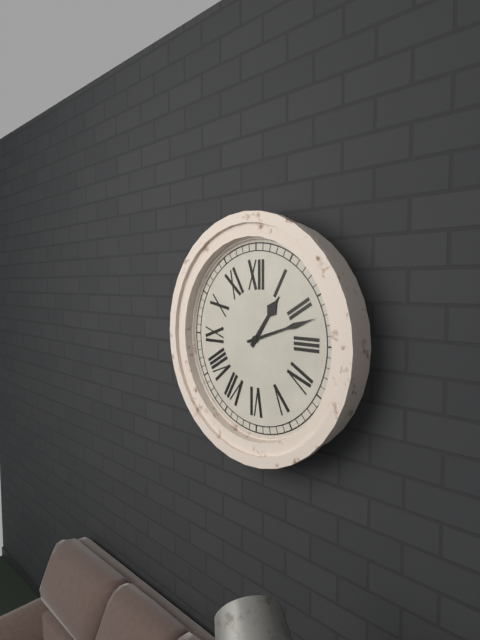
1:12
